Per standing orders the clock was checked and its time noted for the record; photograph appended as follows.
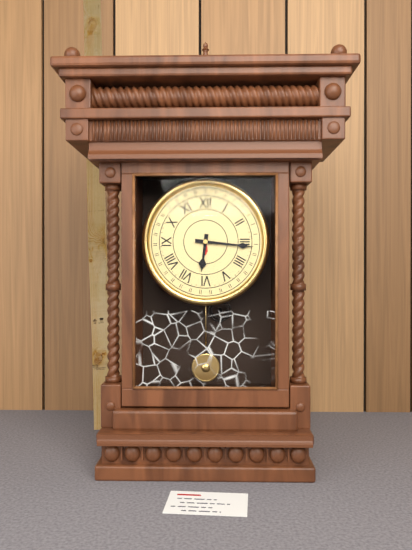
6:16
